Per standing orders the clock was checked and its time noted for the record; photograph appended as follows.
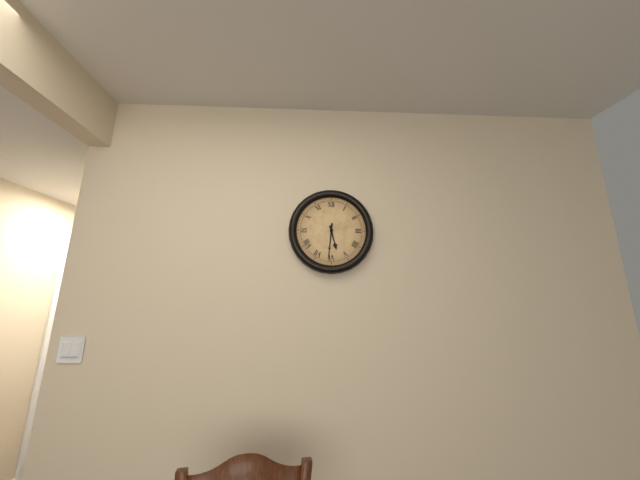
5:31
